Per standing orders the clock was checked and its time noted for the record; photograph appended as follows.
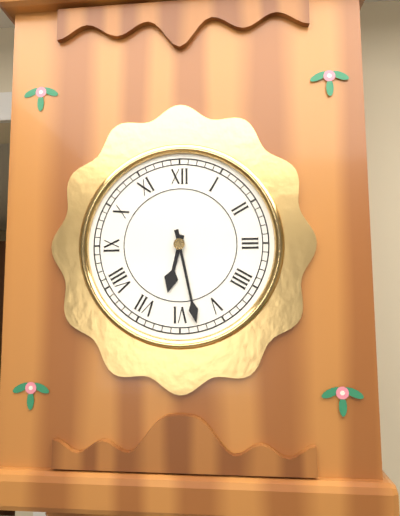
6:28
